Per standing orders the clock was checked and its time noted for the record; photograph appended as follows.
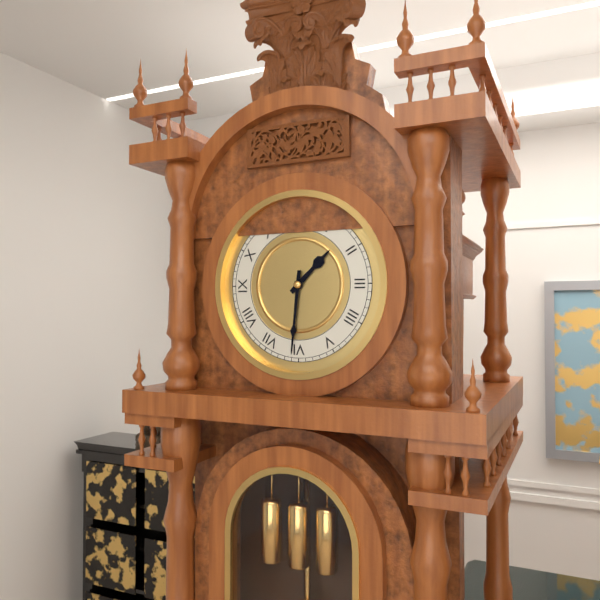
1:31
